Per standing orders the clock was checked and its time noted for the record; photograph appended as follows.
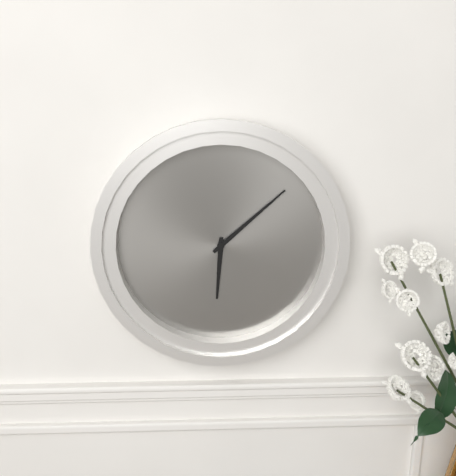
6:08
